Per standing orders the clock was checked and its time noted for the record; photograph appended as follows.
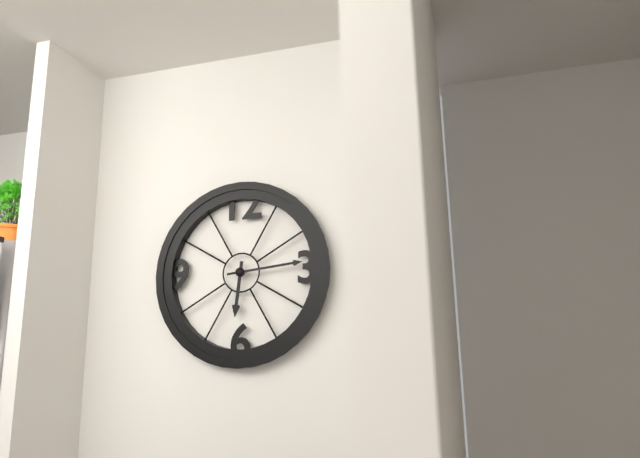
6:14
